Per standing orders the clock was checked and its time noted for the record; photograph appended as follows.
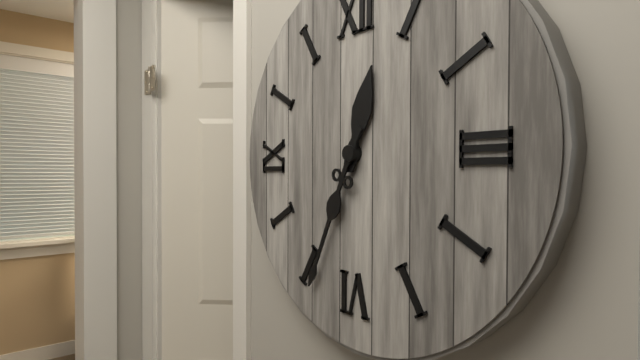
12:34
